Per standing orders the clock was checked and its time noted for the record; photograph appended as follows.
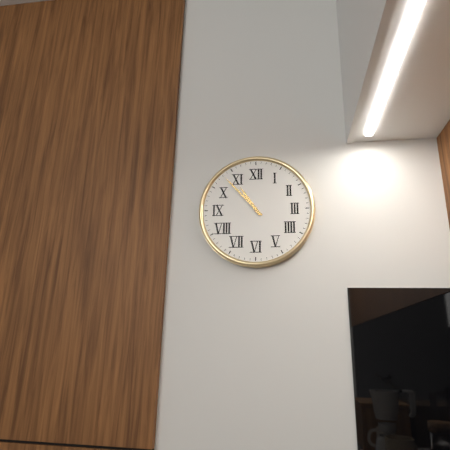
10:53
